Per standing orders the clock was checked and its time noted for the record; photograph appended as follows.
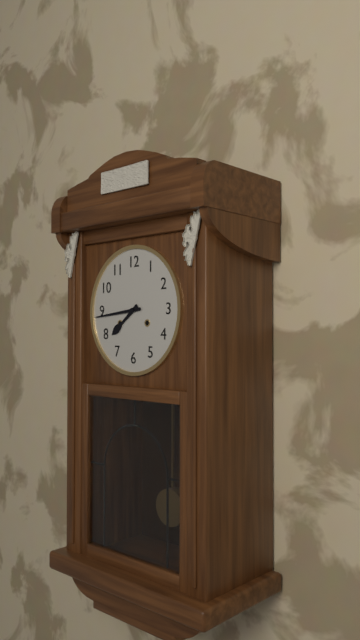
7:44
